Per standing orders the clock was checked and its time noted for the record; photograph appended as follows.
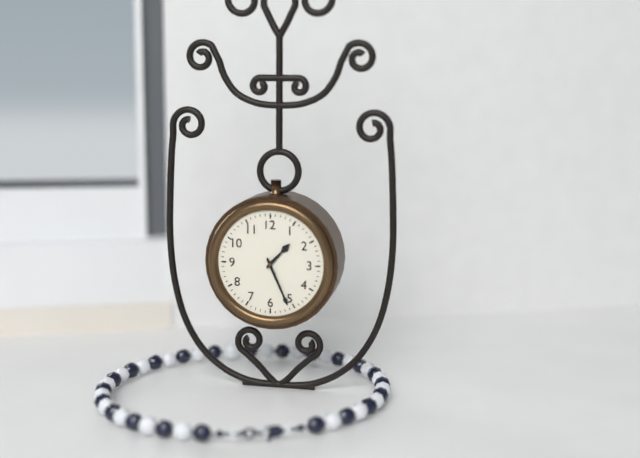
1:26
